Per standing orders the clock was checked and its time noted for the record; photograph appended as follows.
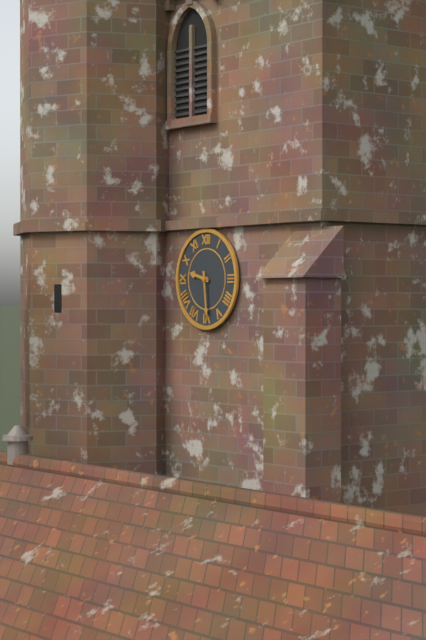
9:29
